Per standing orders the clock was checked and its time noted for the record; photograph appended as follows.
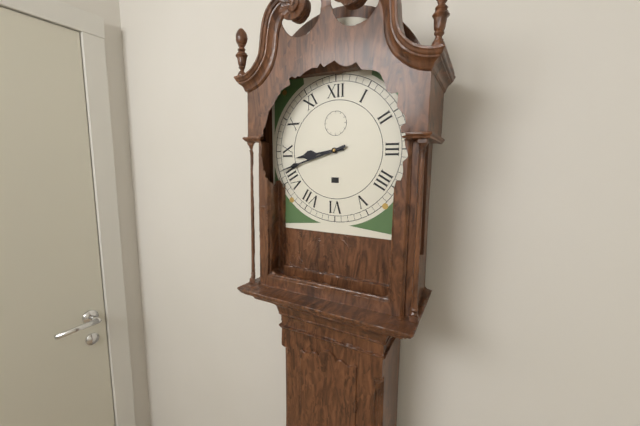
8:42
